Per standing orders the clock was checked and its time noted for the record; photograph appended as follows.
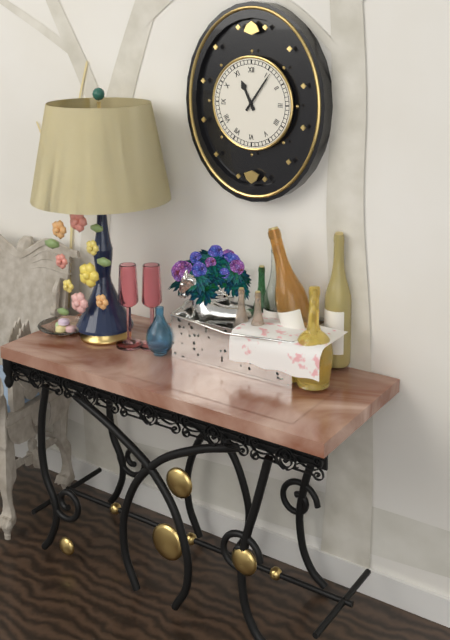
11:06
